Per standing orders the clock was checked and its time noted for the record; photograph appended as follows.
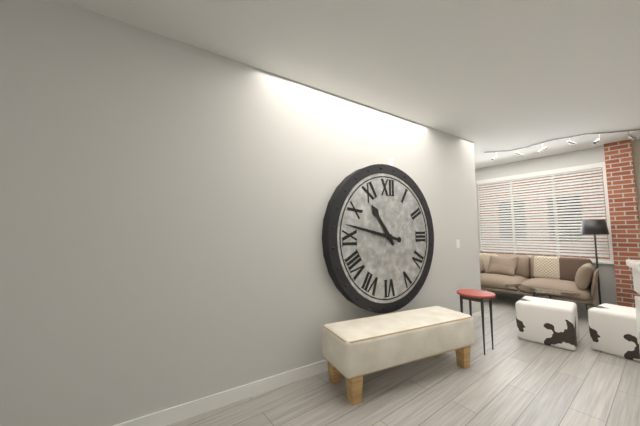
10:47
